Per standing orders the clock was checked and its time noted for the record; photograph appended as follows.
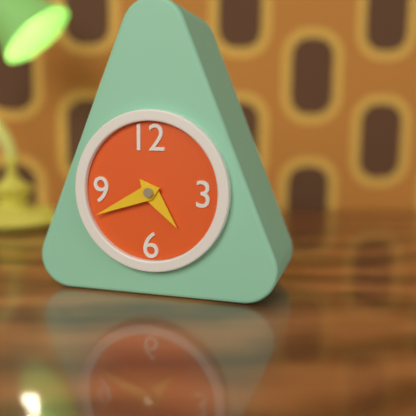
4:41
